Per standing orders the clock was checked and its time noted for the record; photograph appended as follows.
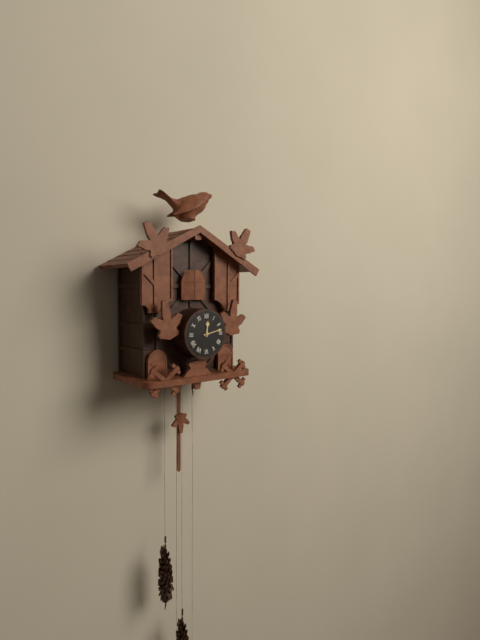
12:13
